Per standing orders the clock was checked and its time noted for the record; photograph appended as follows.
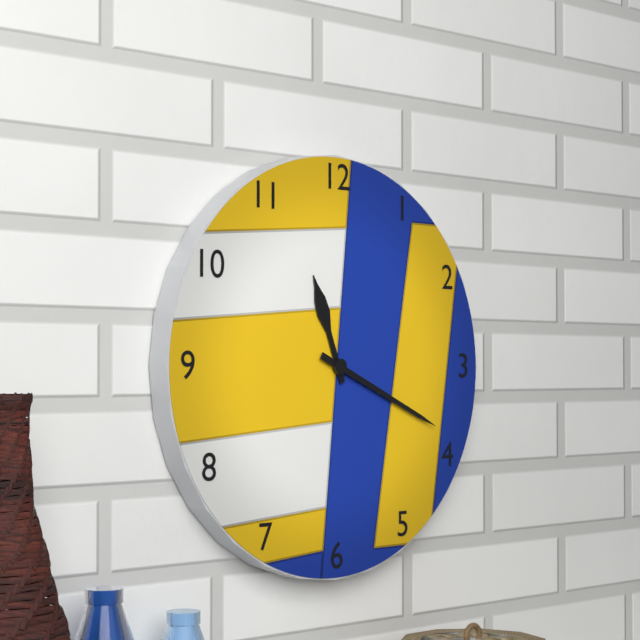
11:19
